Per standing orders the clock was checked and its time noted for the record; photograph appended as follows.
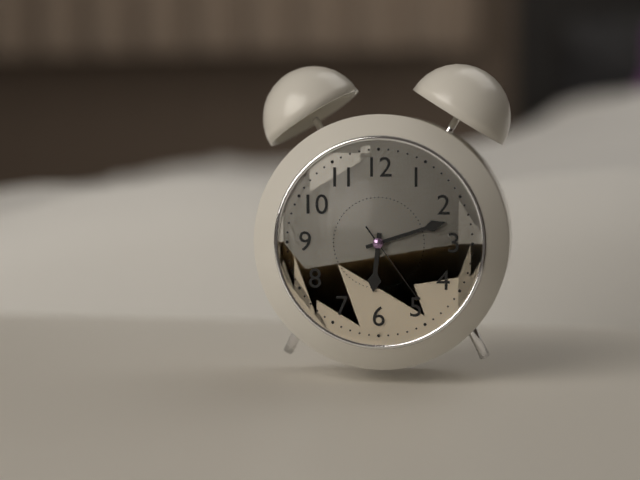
6:12:24
